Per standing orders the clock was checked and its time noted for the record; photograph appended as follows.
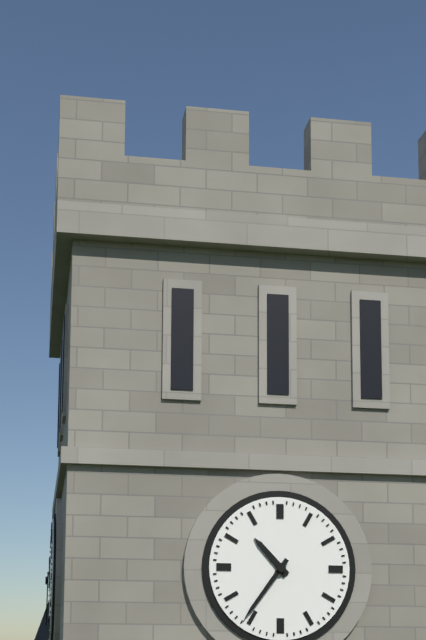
10:36
